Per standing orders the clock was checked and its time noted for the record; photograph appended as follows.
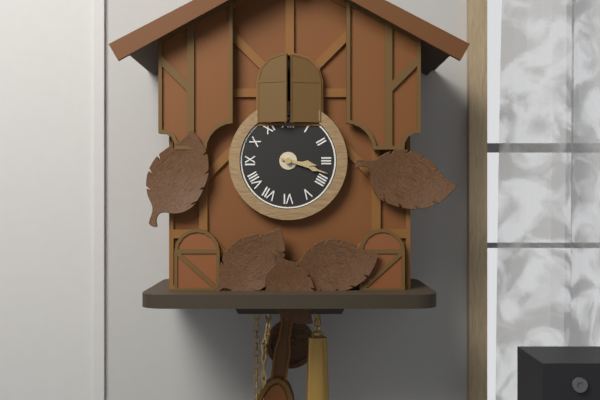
3:18
